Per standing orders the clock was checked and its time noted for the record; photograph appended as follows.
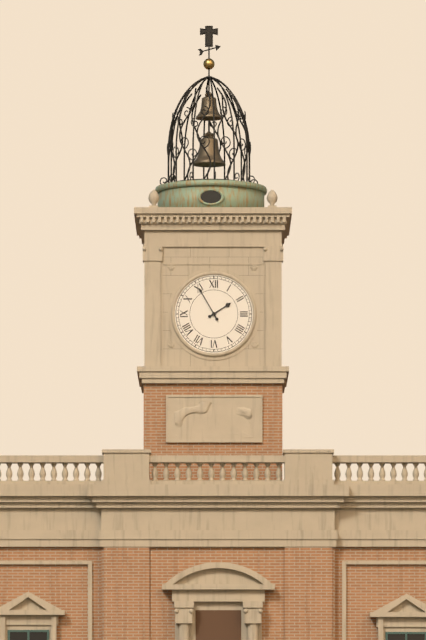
1:55
